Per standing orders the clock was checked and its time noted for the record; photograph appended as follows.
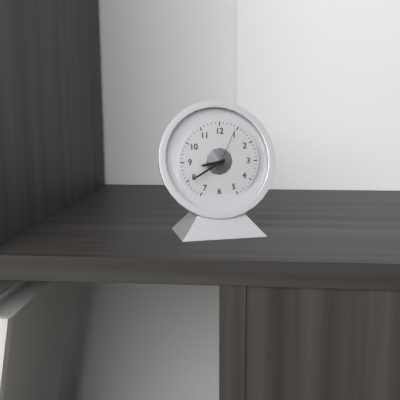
8:40
